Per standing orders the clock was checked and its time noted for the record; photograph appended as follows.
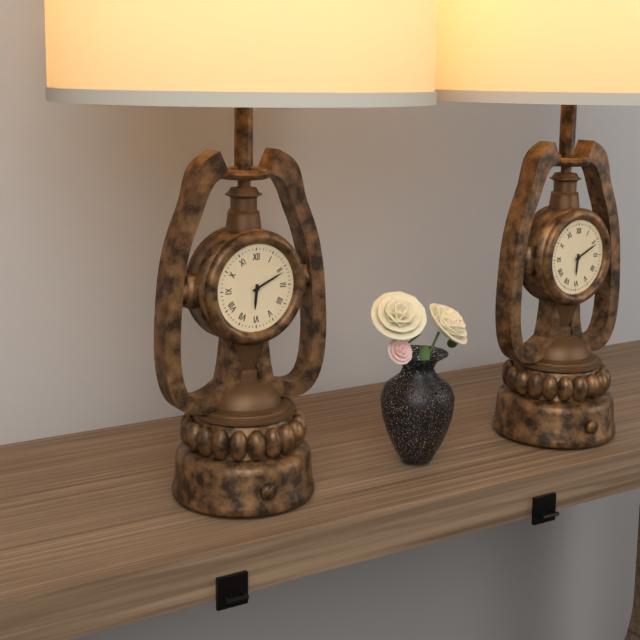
6:11
